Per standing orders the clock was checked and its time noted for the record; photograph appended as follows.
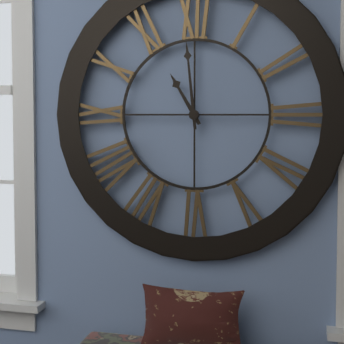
10:59
